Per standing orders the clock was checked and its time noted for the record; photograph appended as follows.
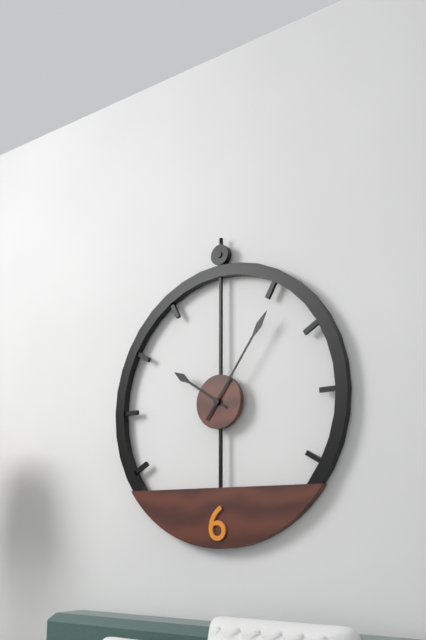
10:06
